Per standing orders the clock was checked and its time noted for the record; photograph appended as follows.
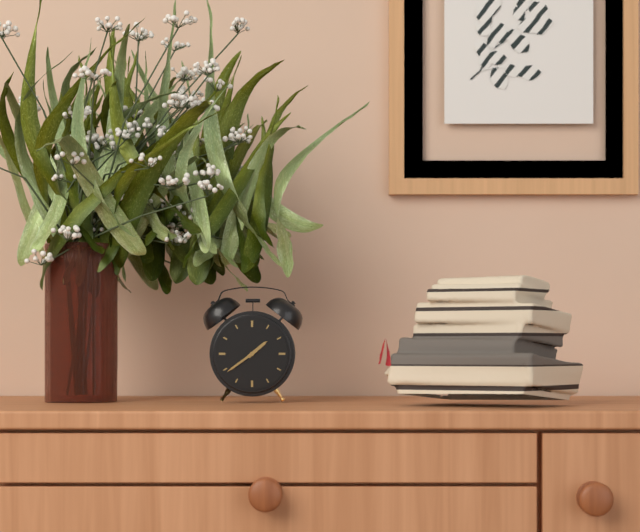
1:39
